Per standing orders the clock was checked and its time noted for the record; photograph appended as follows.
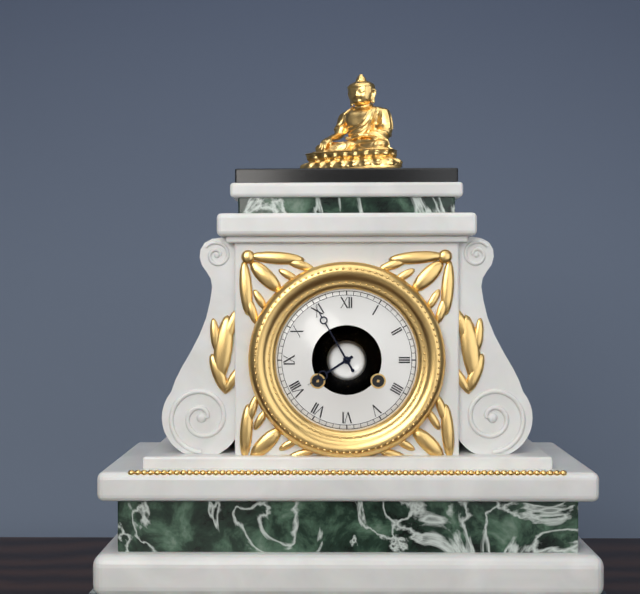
7:55
